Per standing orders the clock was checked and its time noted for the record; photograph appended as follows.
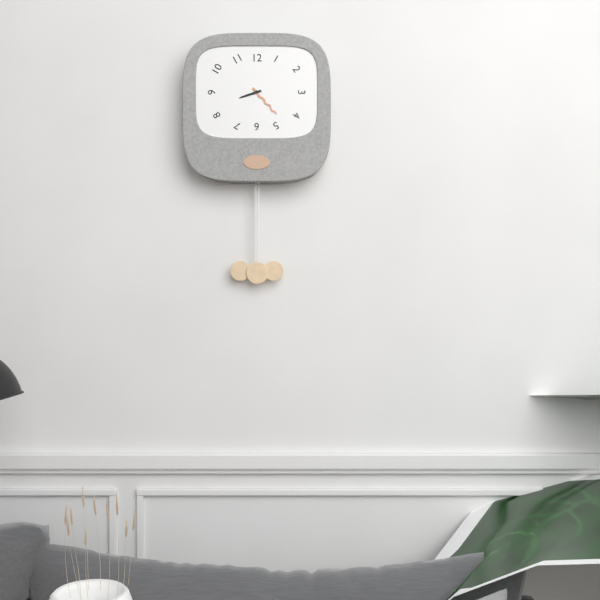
8:23
